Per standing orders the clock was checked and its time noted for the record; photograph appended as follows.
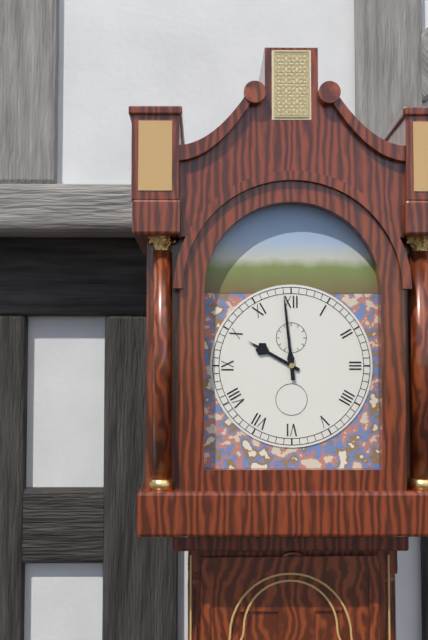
9:59
